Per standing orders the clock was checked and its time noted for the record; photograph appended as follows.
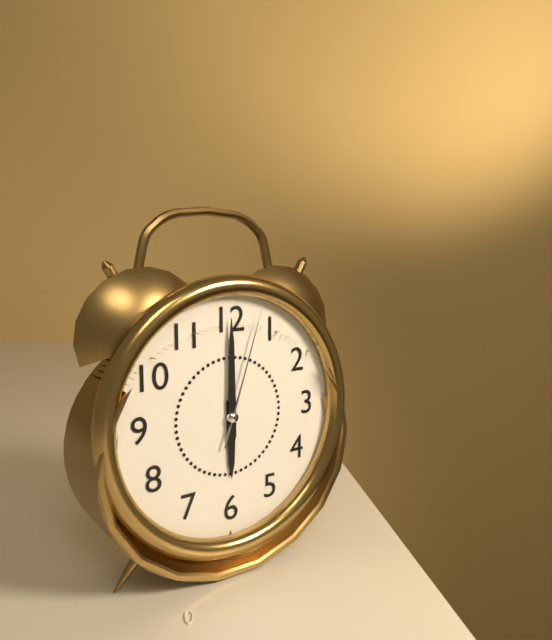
6:00:03
